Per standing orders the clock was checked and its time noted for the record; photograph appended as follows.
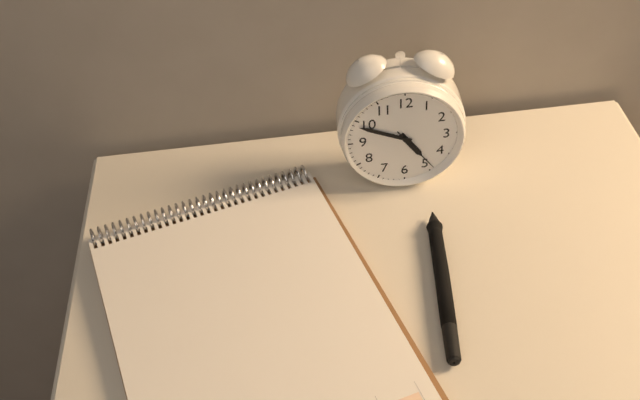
4:49:24
